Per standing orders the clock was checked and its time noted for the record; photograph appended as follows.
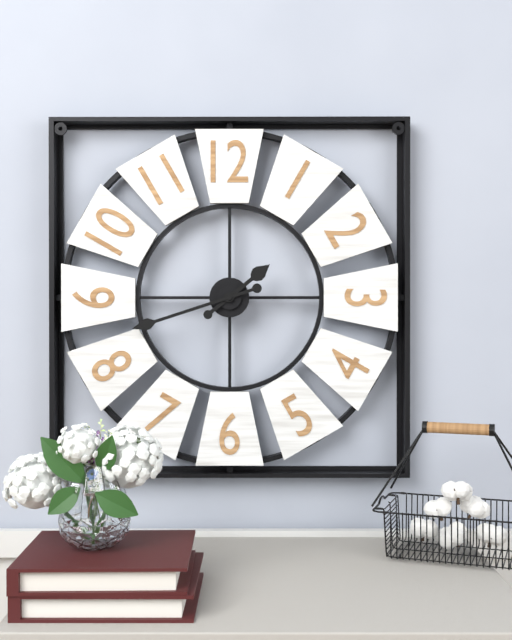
1:42
